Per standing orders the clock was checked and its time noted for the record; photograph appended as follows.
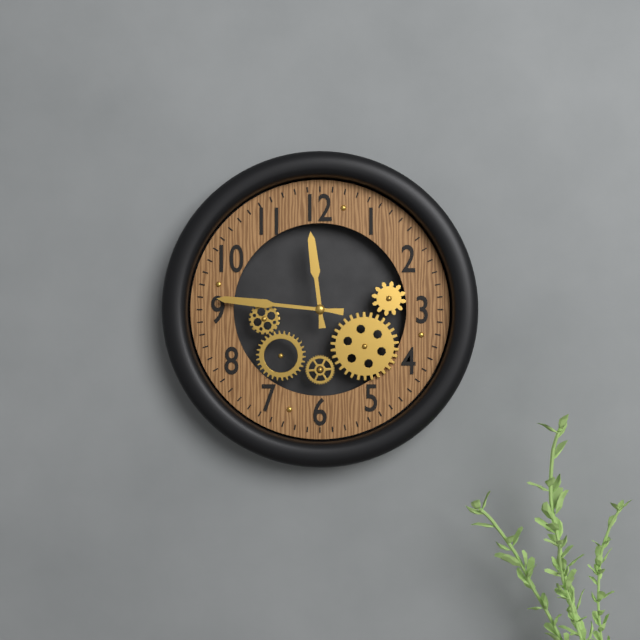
11:46
